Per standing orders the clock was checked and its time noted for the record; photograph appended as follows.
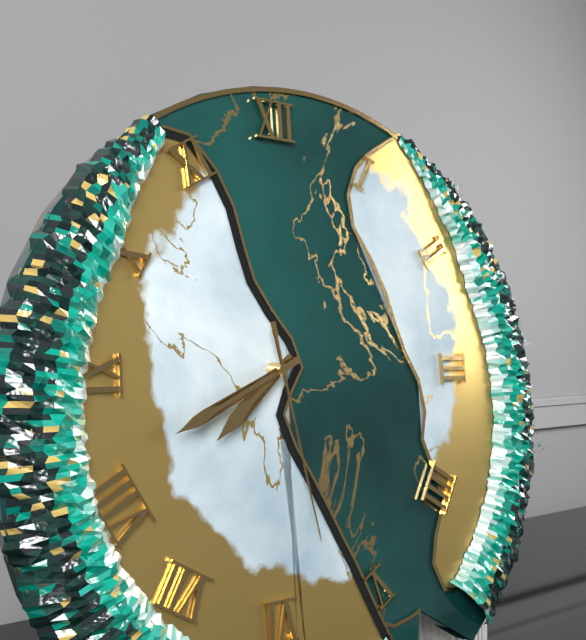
7:41:28
